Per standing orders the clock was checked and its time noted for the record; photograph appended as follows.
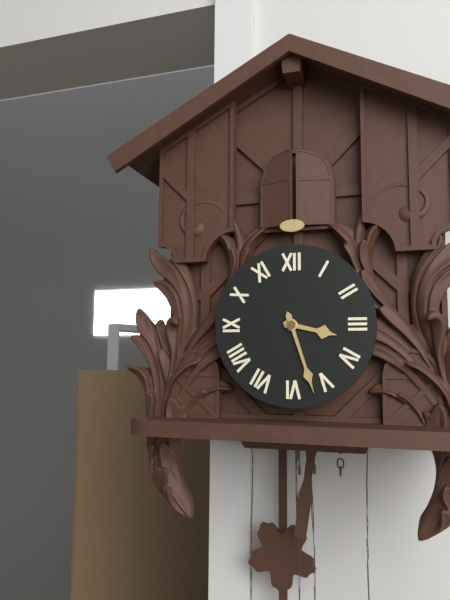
3:27
